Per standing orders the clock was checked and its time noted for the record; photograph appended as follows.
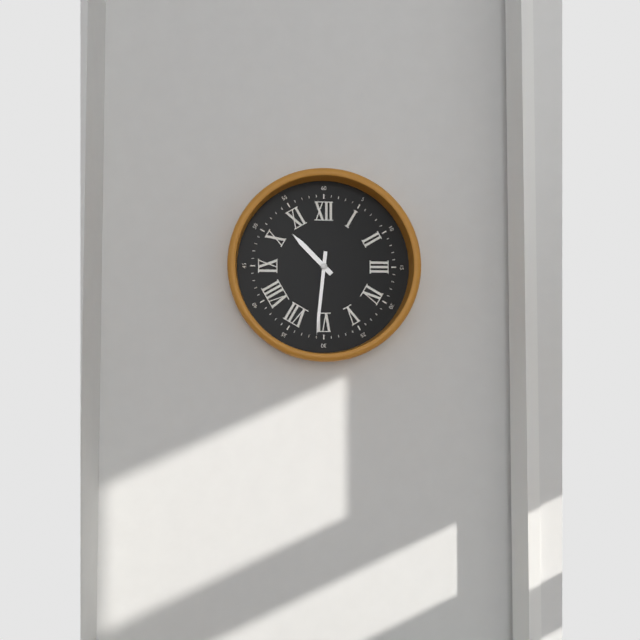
10:31
